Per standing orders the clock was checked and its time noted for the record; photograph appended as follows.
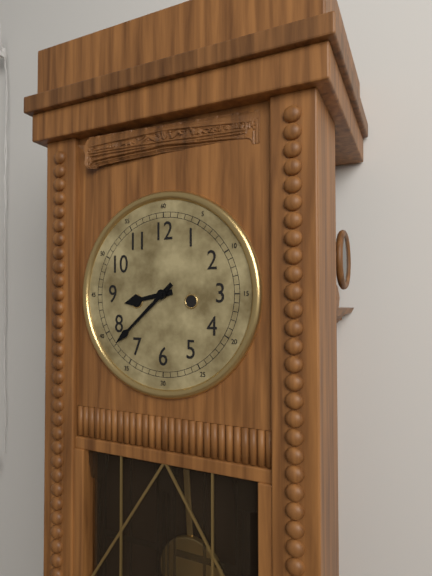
8:38
